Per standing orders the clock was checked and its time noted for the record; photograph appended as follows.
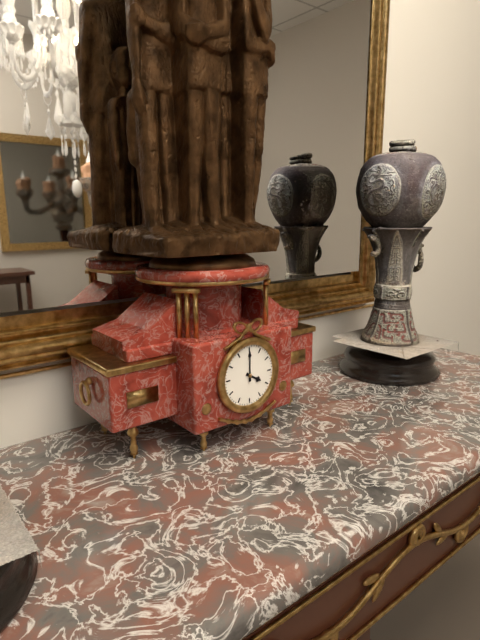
4:00
